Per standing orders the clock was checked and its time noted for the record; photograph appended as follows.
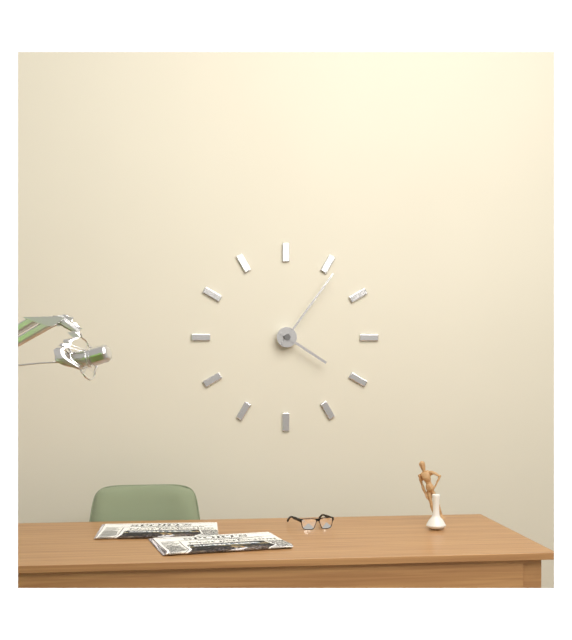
4:06
